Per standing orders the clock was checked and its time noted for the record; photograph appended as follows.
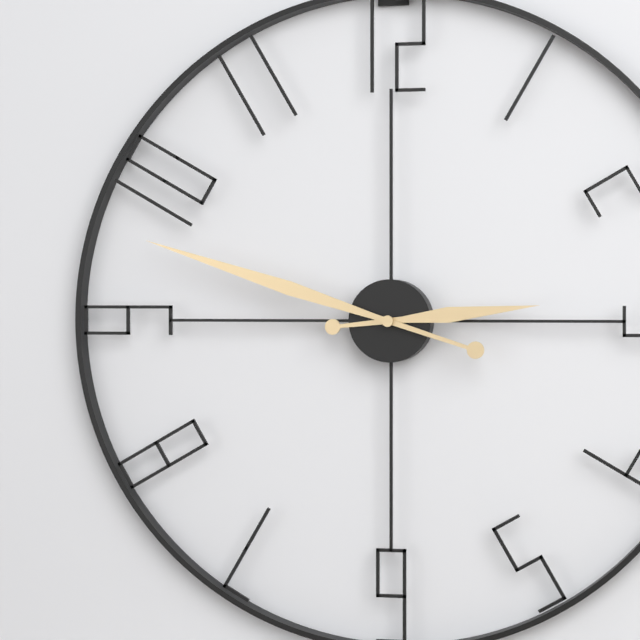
2:48
